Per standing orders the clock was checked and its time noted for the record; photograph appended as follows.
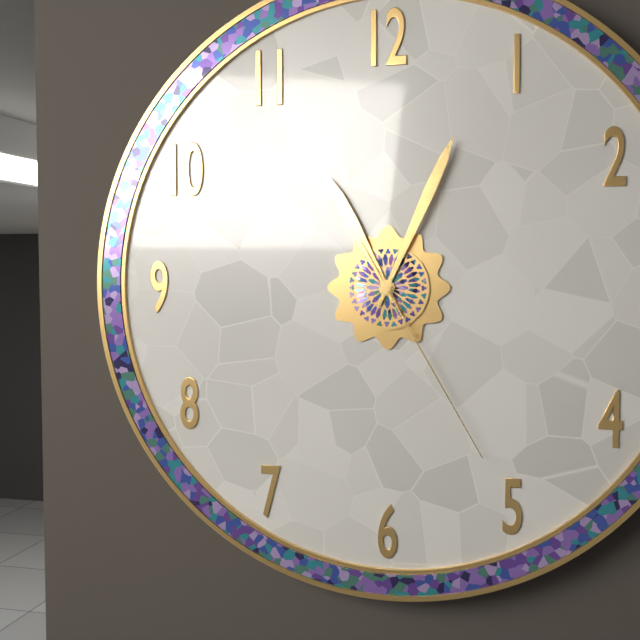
11:04:25
